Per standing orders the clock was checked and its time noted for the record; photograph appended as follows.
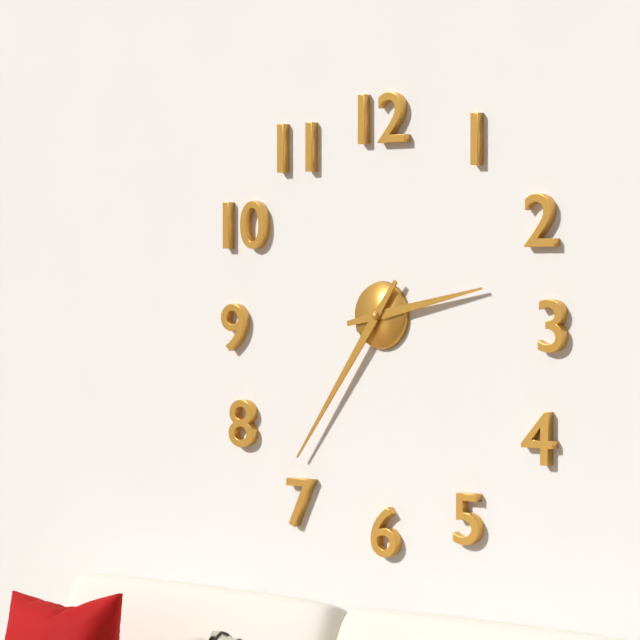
2:36
